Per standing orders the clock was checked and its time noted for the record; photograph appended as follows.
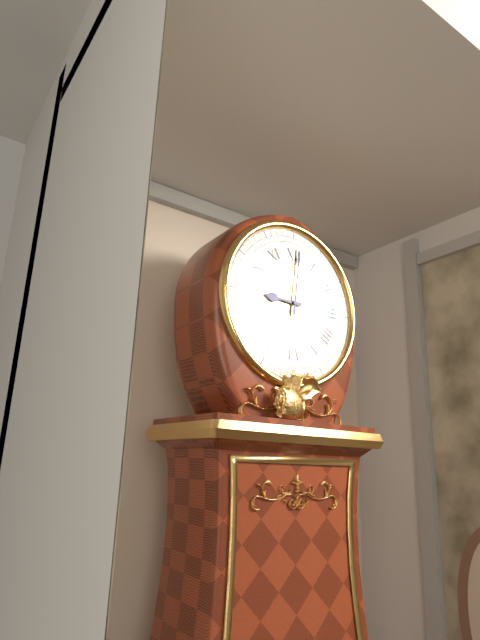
9:01
